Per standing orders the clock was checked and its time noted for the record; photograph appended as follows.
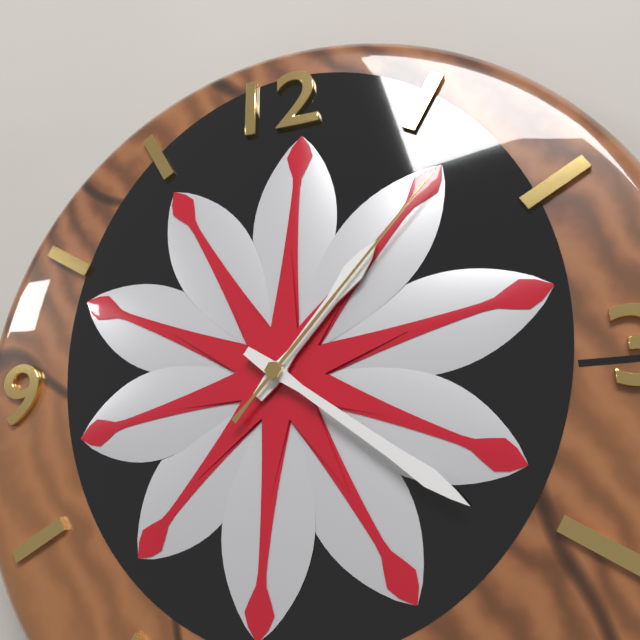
1:21:07
